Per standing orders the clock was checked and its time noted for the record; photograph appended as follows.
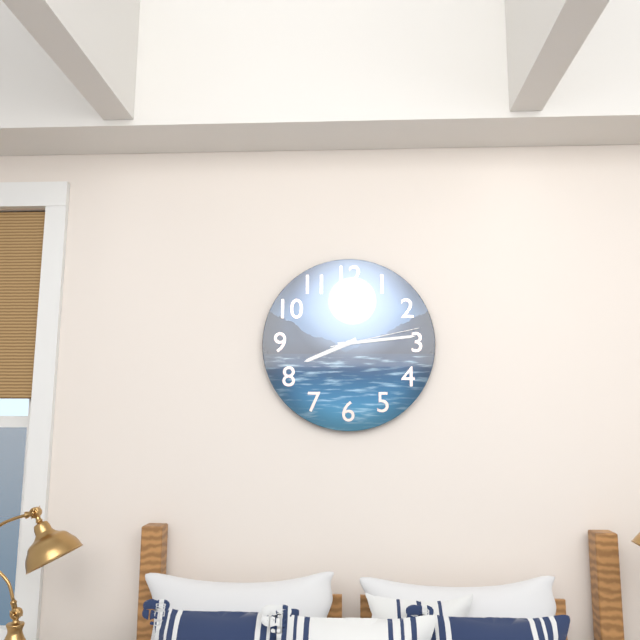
8:14:13
